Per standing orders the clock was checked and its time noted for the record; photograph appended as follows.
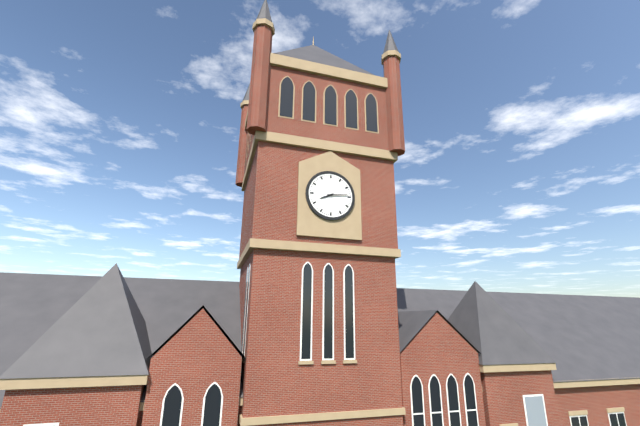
8:14
